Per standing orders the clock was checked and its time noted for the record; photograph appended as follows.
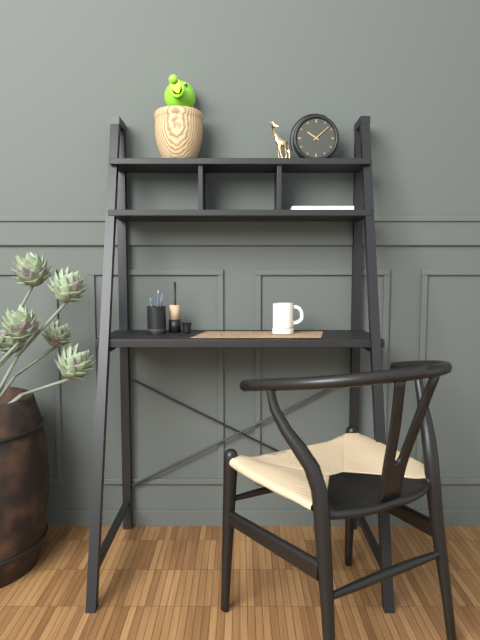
10:08
